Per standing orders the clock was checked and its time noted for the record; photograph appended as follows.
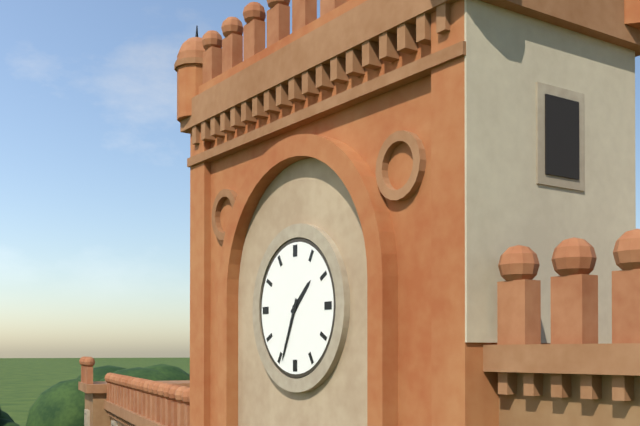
1:34
